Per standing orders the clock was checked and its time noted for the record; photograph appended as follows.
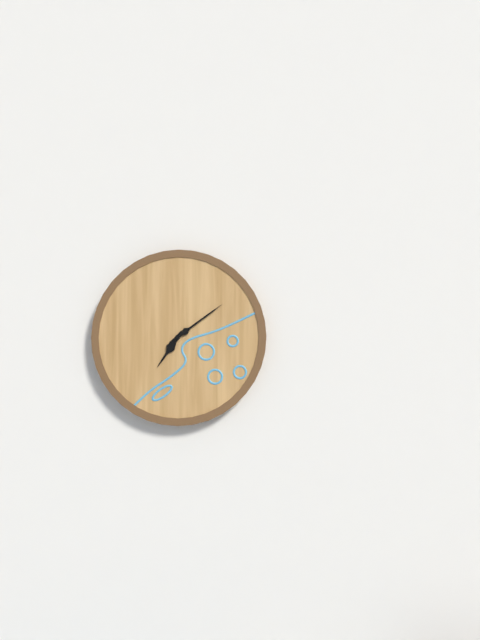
7:09
